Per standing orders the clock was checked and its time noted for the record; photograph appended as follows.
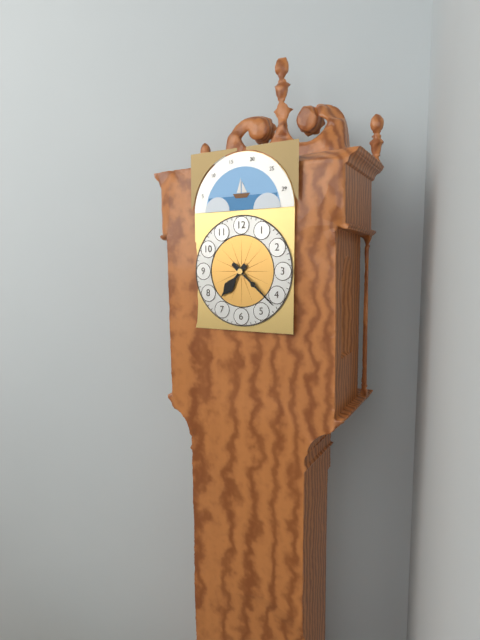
7:22
